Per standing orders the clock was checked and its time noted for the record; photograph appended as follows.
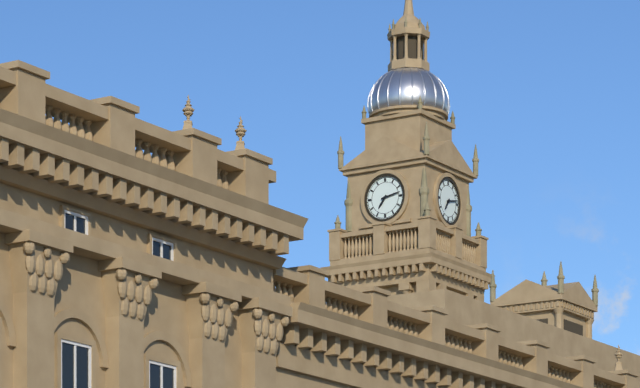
7:13
